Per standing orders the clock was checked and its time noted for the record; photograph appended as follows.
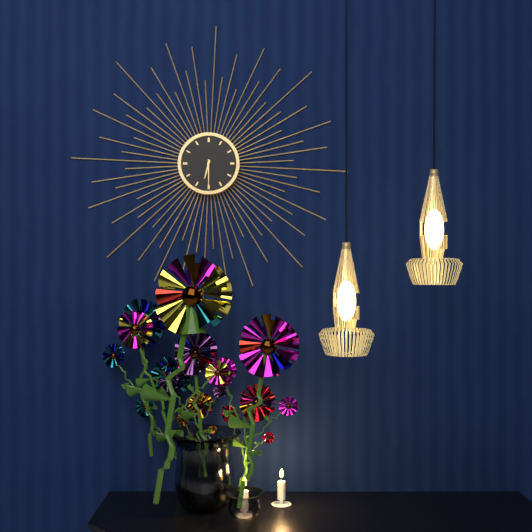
6:30
